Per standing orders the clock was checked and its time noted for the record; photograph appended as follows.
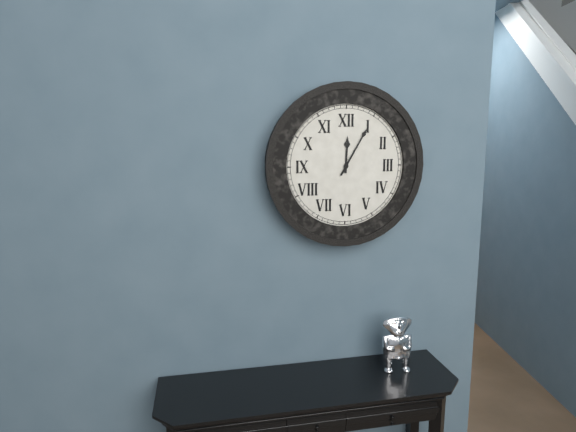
12:05
